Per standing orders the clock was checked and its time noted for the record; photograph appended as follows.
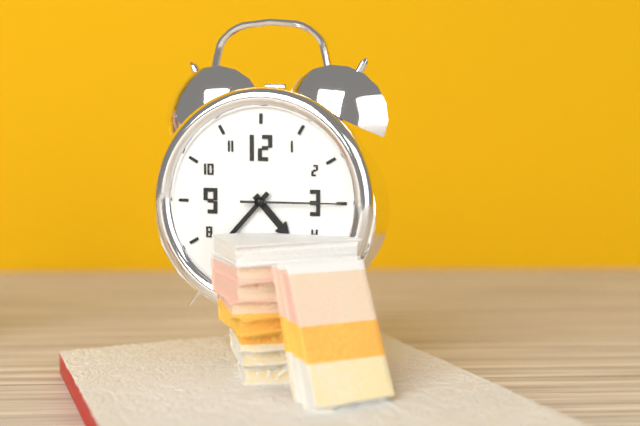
4:37:15
